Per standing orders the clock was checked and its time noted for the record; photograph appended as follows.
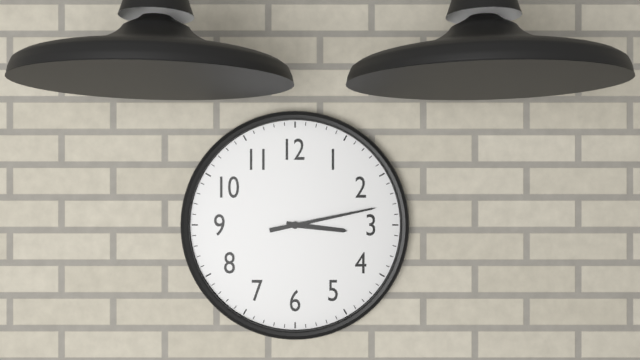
3:13
